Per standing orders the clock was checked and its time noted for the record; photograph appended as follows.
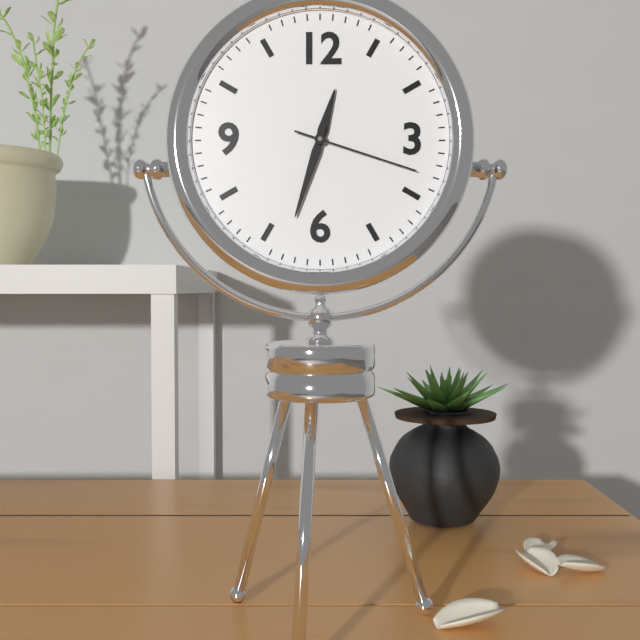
12:33:18
